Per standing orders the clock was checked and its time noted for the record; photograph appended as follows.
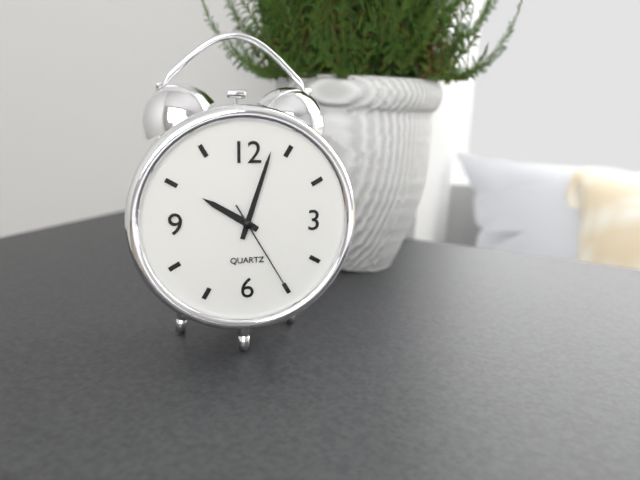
10:03:25
